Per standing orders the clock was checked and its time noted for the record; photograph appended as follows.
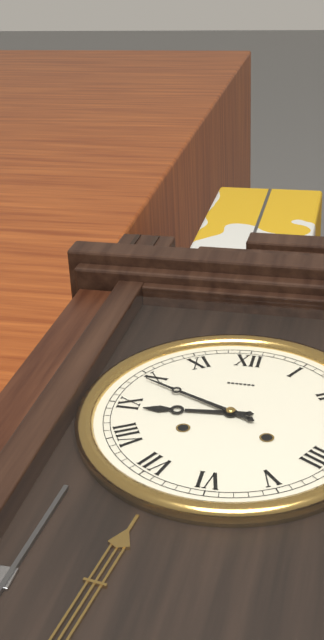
8:49
